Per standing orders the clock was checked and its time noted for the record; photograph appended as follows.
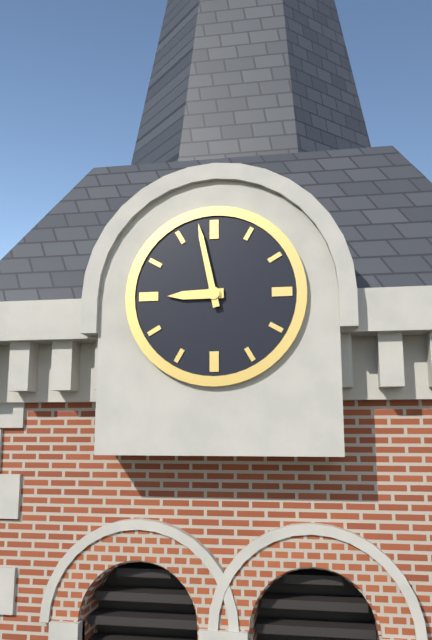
8:58
